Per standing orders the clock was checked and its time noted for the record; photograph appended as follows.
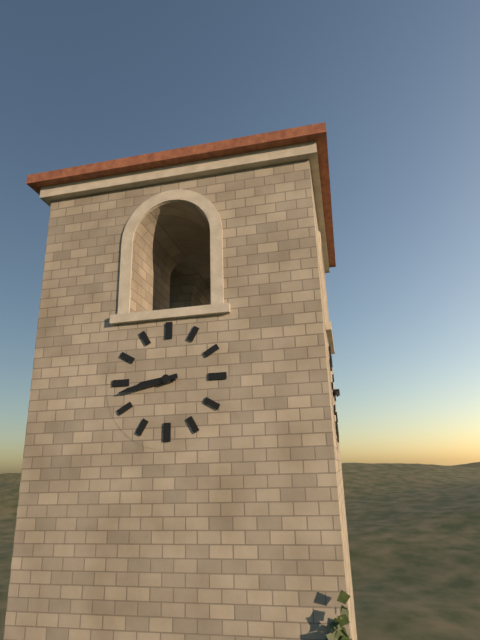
8:43
